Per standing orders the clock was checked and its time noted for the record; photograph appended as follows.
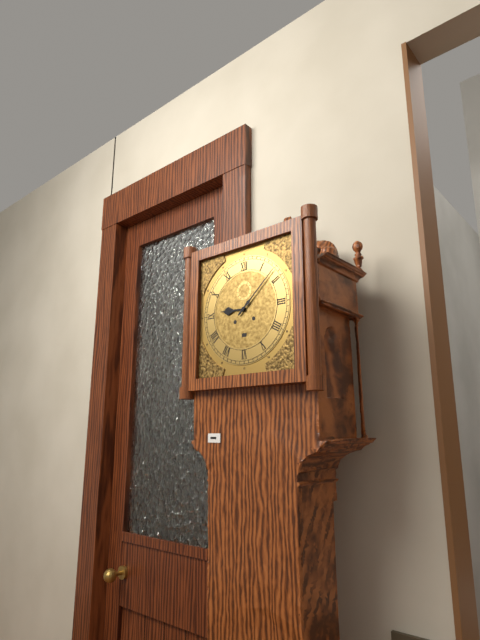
9:08
